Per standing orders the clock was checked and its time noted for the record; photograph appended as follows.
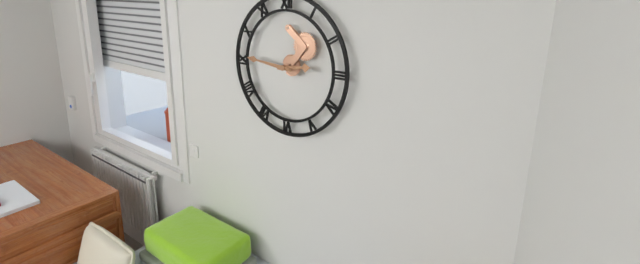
2:46
